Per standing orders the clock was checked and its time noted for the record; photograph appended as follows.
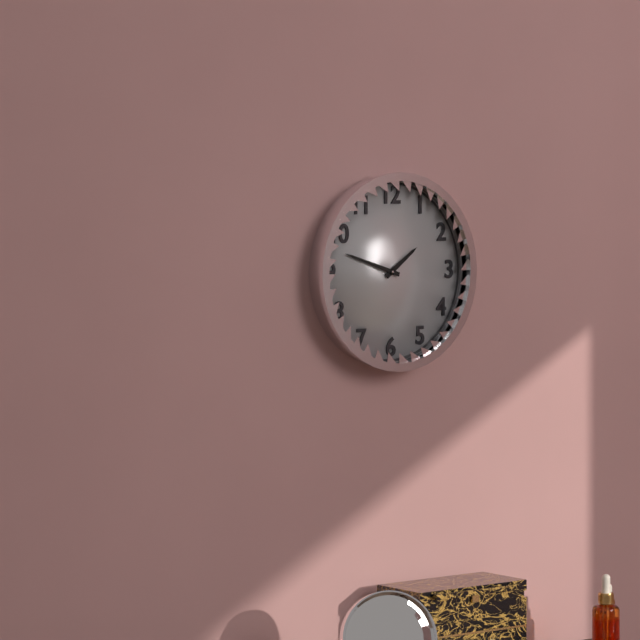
1:48
